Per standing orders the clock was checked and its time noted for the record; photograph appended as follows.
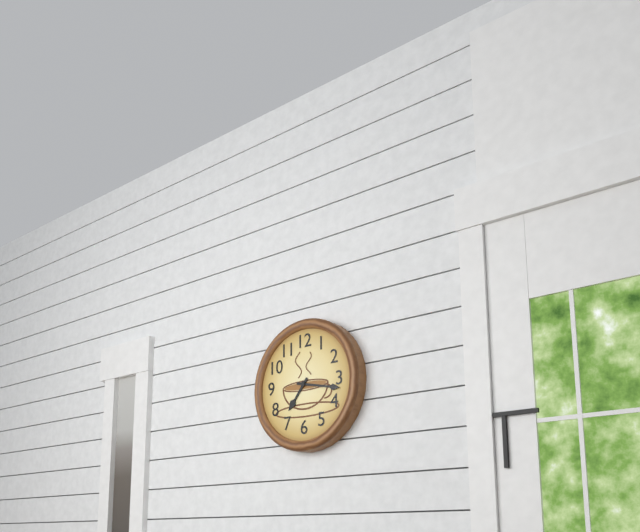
7:17
